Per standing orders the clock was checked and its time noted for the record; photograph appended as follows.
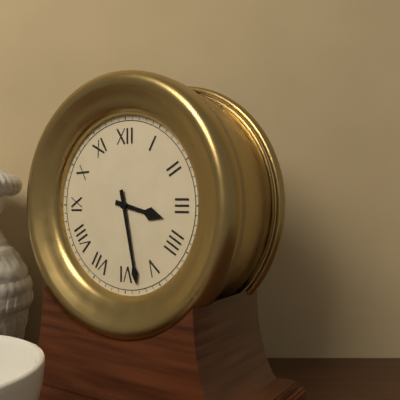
3:28
